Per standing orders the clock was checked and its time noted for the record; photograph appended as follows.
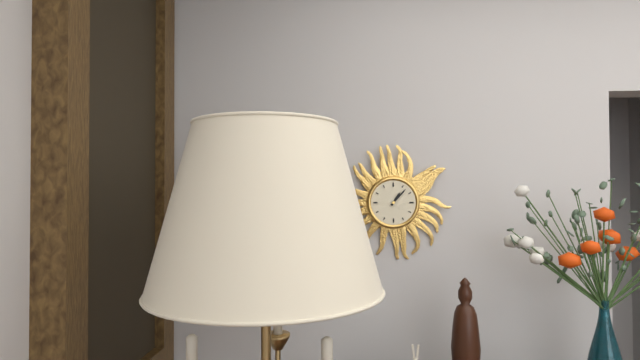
1:07
